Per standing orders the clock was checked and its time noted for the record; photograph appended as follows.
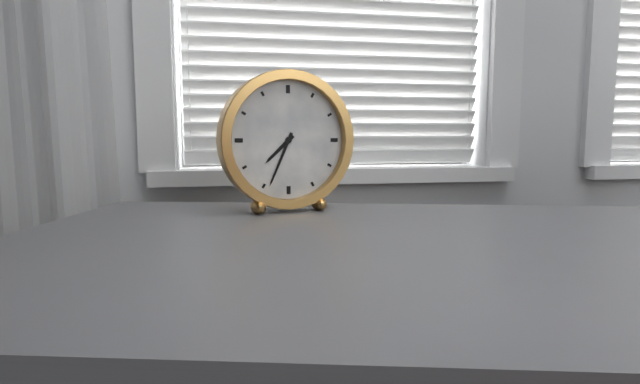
7:34
